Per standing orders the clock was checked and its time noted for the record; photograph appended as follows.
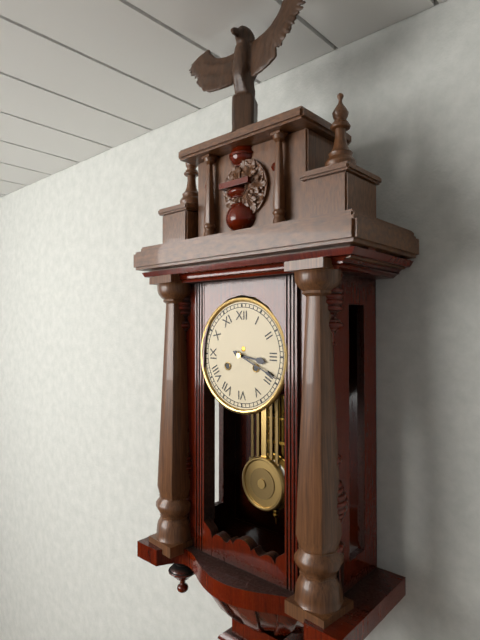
3:19
